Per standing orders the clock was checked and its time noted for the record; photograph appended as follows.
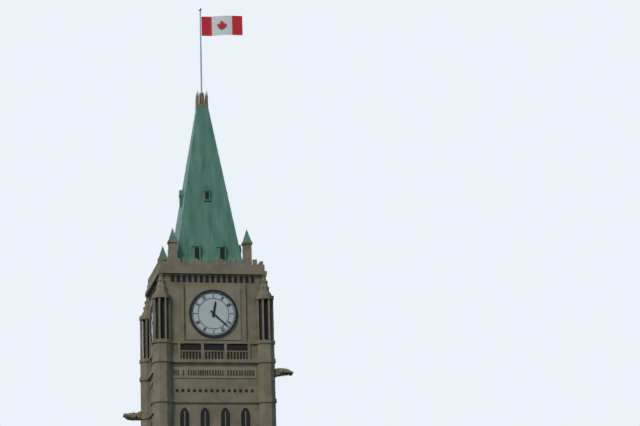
12:22
